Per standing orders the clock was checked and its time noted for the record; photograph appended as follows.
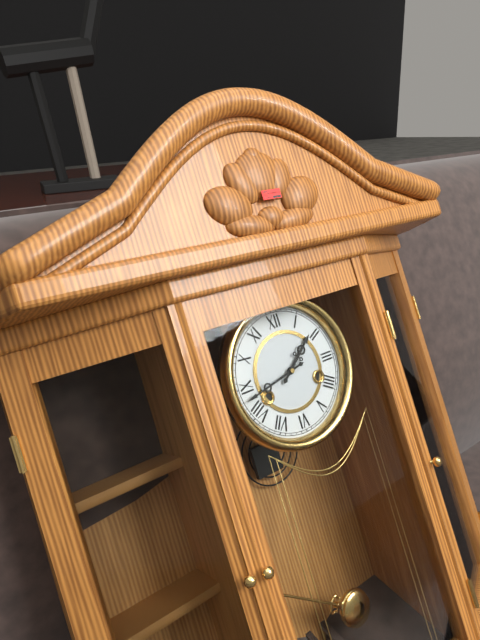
1:43
